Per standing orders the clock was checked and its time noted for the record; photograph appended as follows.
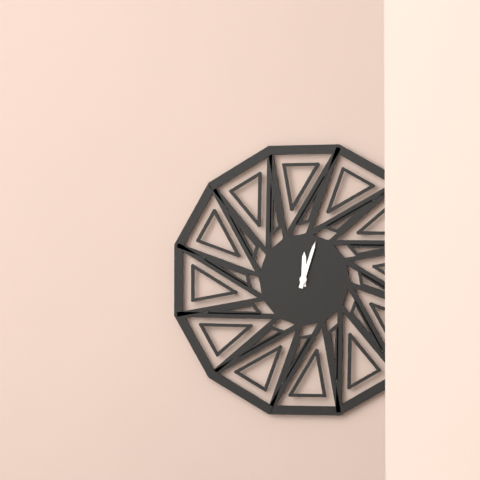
12:03
